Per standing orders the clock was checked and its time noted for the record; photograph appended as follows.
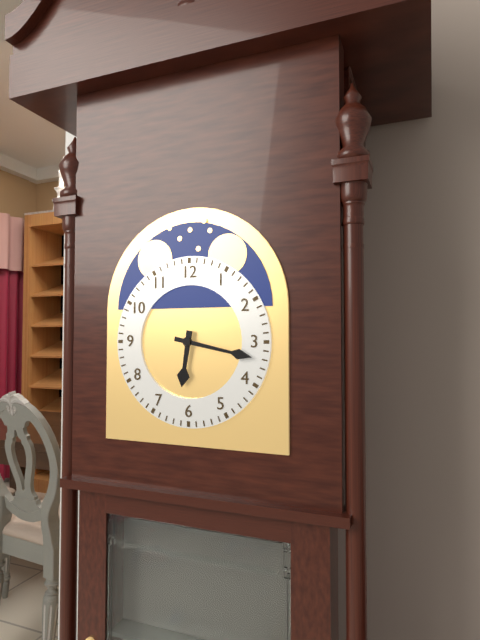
6:17
